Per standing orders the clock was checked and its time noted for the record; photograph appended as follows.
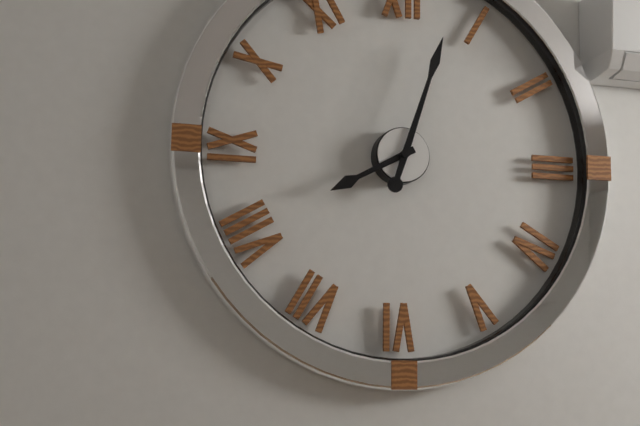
8:03
